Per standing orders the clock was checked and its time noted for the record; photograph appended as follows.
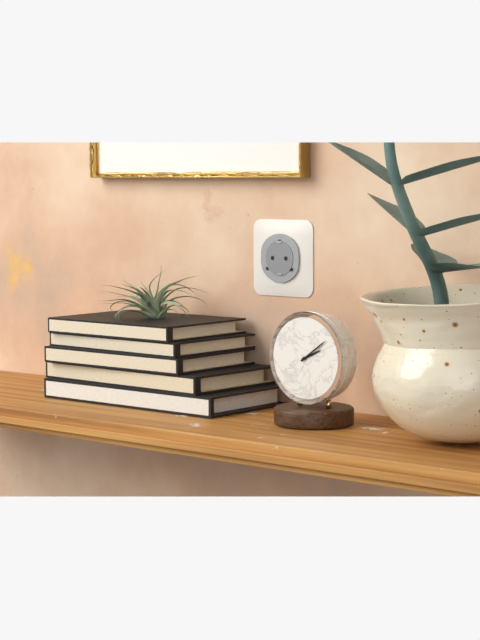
2:09
